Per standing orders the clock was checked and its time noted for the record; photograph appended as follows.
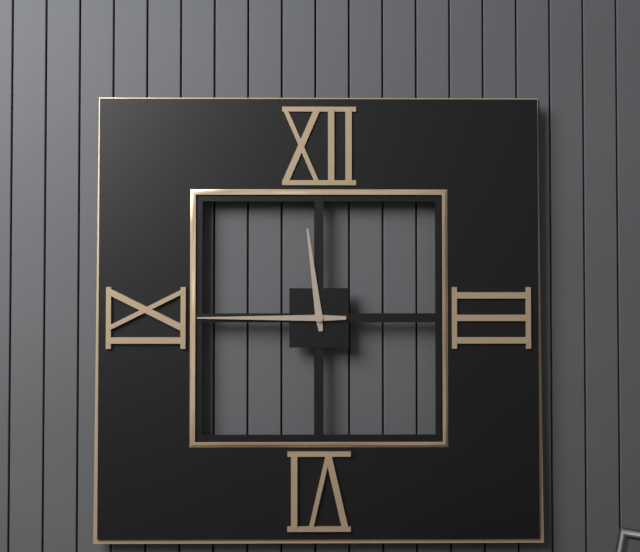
11:45
